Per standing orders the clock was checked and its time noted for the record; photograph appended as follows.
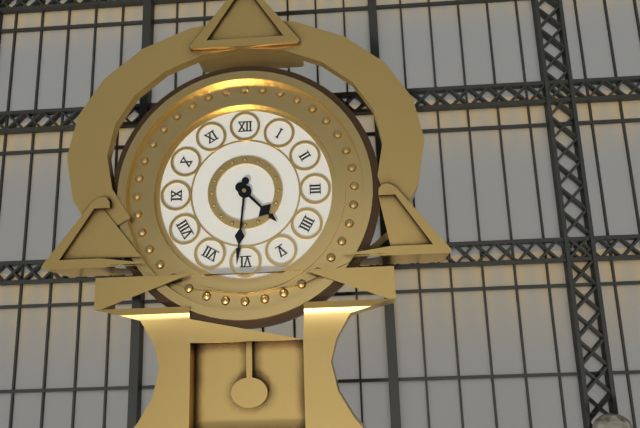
4:31
